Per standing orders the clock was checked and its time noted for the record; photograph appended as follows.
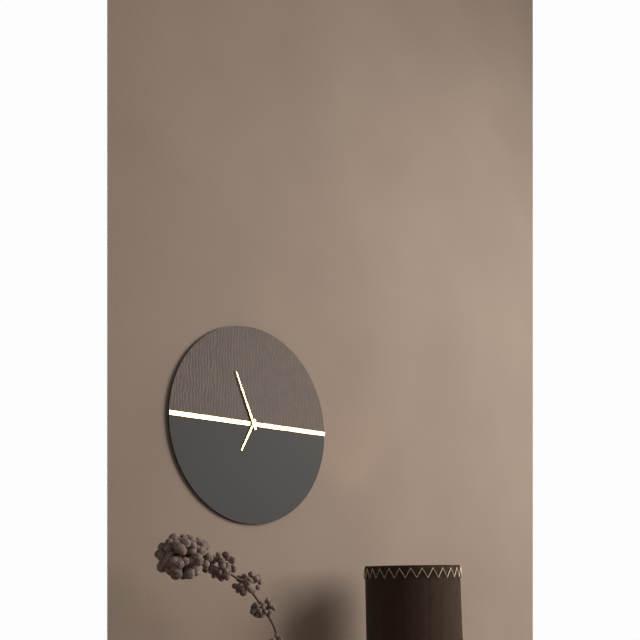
6:56
